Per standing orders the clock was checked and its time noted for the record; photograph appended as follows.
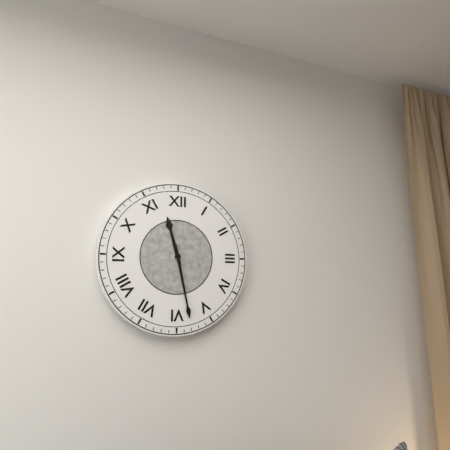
11:28
